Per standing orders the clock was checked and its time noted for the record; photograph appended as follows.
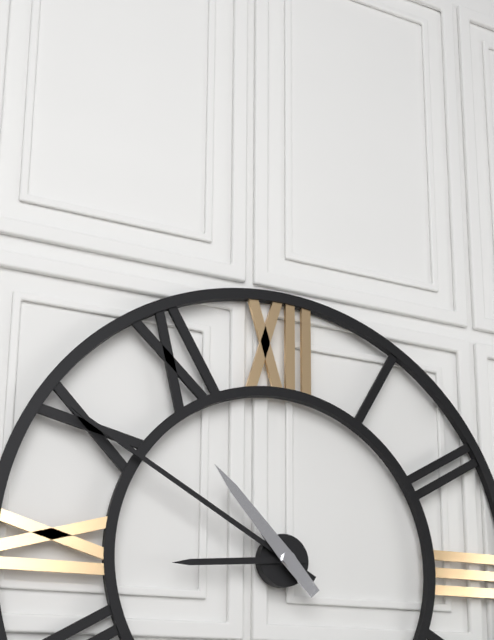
8:50:53
